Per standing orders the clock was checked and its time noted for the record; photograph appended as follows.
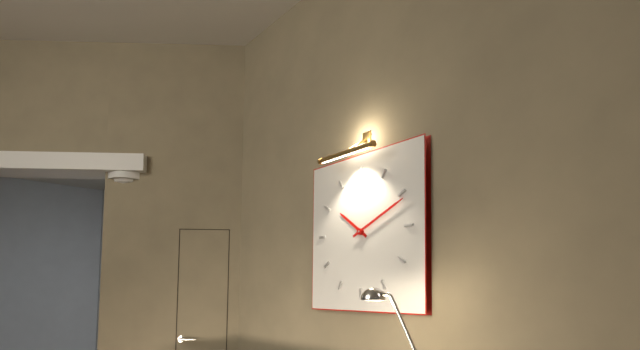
10:11
